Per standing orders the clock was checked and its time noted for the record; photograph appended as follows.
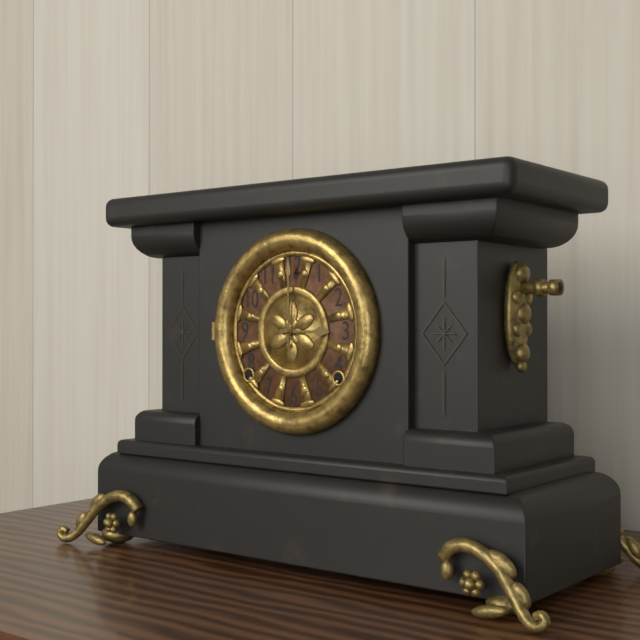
3:00
